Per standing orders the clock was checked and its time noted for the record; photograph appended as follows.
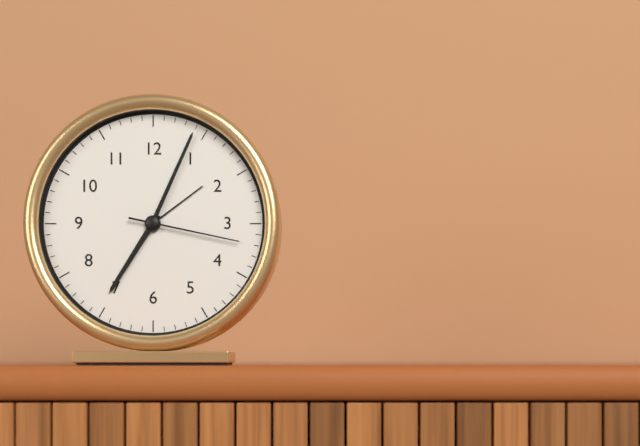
7:04:17
